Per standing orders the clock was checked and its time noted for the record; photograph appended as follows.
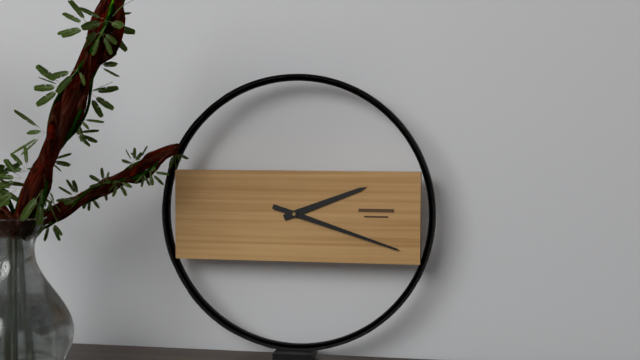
2:18
